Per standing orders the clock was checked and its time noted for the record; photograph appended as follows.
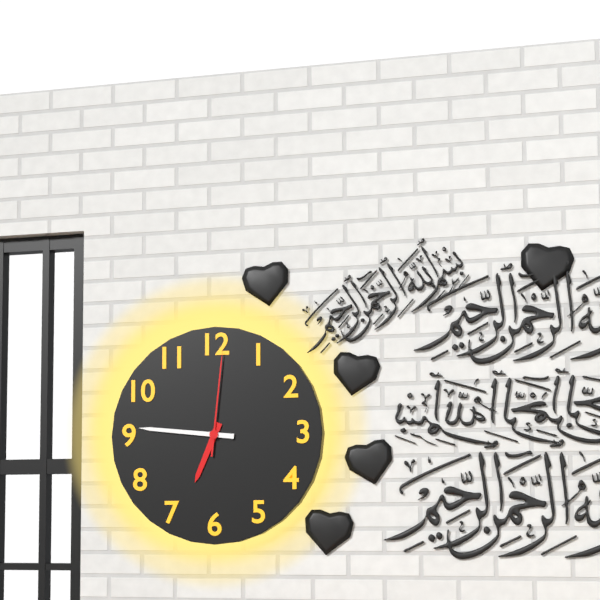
6:46:01
